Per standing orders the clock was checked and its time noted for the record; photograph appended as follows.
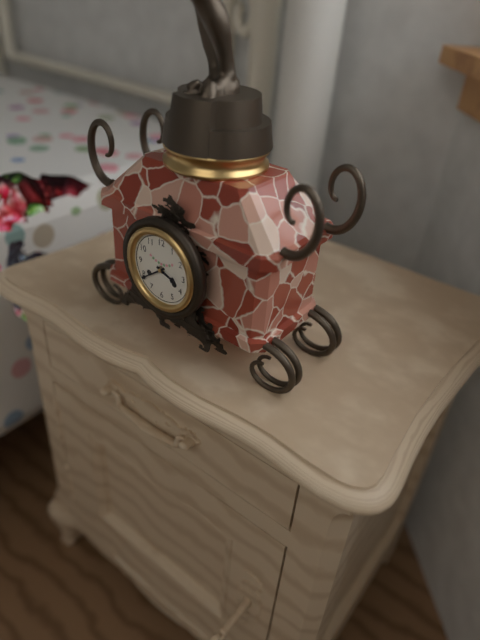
3:39
